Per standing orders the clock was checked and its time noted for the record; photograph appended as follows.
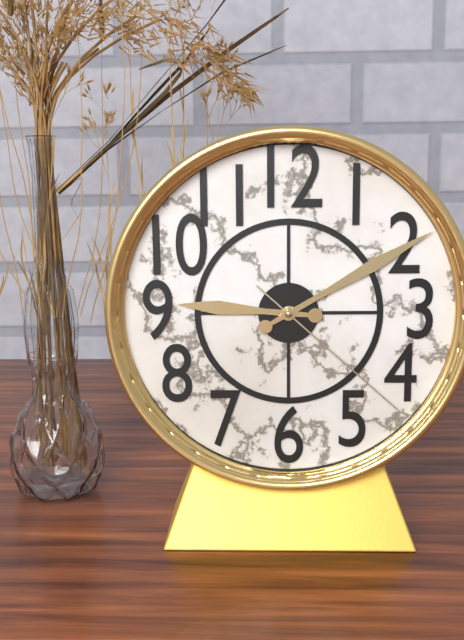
9:10:22
